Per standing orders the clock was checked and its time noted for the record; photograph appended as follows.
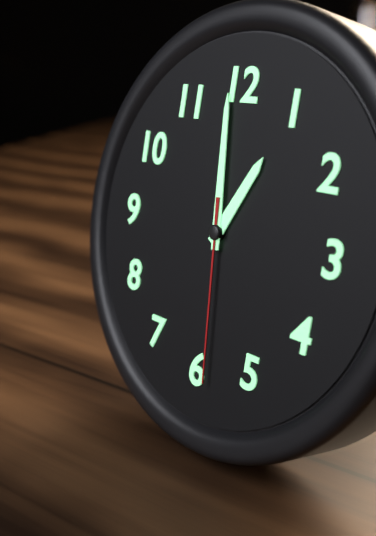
12:59:29
